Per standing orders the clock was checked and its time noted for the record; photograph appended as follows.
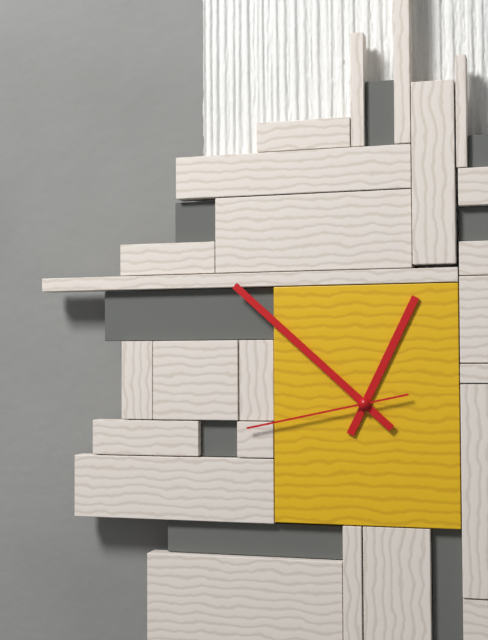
12:52:43
